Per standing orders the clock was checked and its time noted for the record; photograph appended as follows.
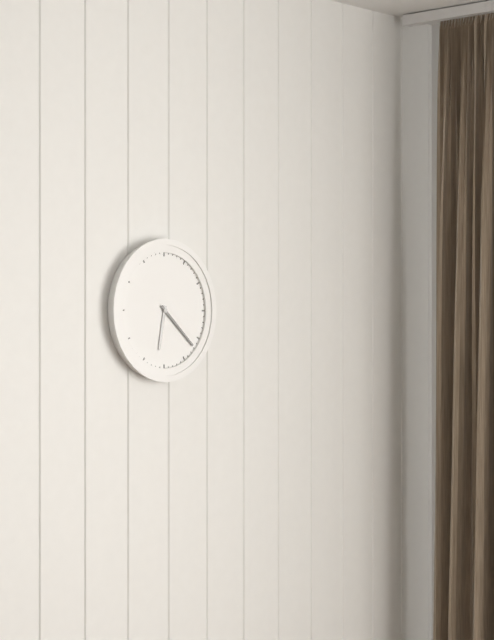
6:22
